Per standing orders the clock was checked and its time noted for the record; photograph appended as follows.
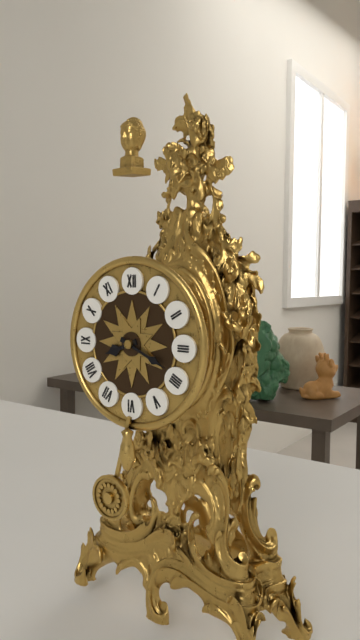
8:19
